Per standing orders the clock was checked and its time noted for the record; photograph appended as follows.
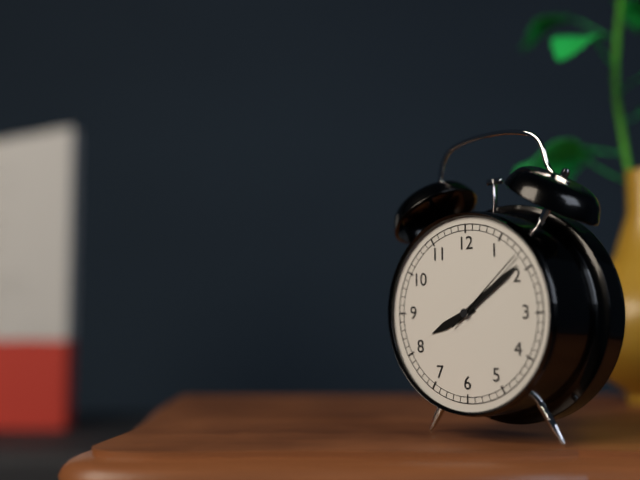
8:09:08
